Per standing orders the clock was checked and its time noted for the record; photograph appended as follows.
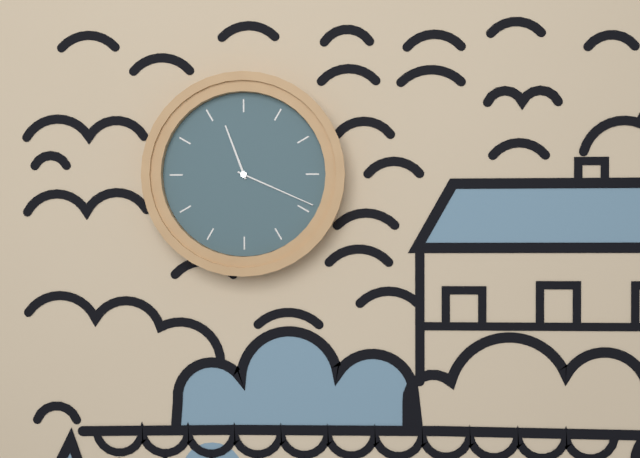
11:19
